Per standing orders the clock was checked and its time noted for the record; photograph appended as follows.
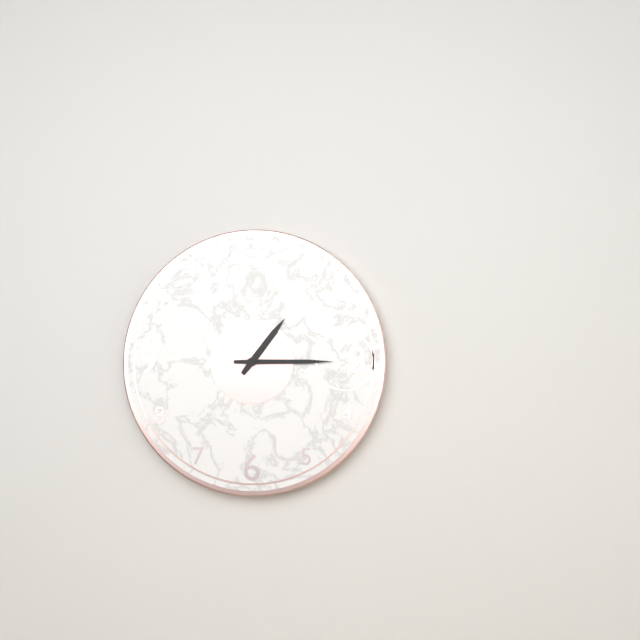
1:15
